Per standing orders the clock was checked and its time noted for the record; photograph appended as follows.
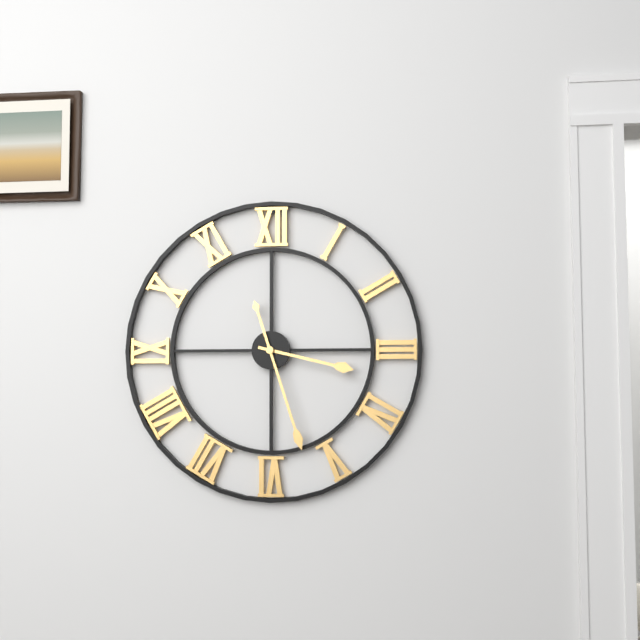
3:27
